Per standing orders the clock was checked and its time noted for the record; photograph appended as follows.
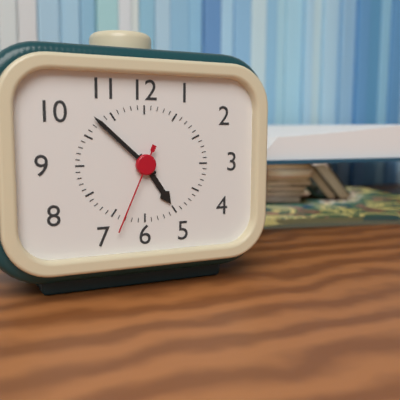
4:52:34
